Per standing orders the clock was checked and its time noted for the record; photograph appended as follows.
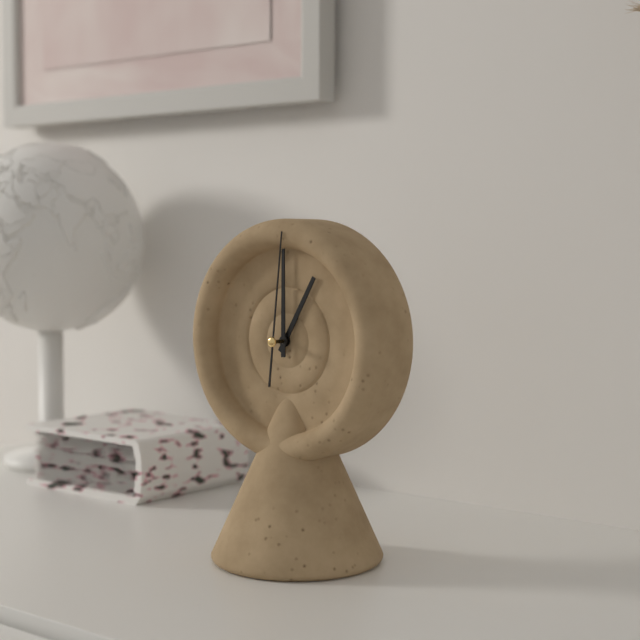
1:00:01
